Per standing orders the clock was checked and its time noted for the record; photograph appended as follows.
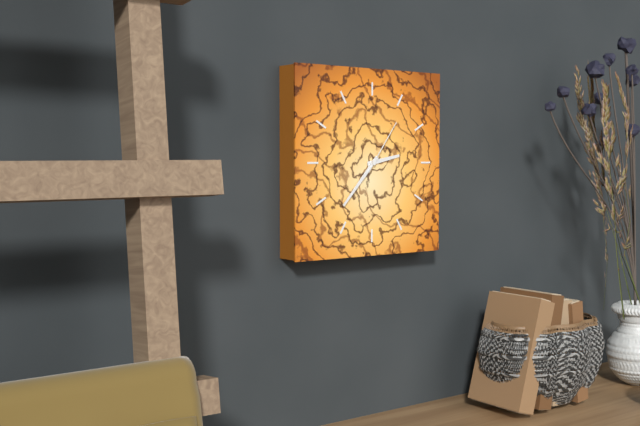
2:37:06
